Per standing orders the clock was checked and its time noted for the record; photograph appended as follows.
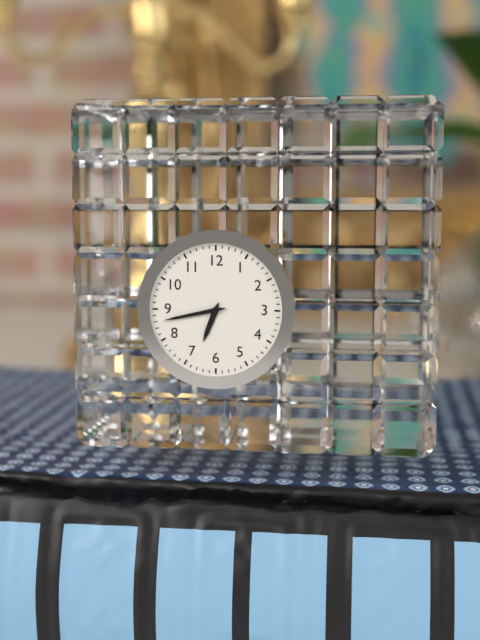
6:43
